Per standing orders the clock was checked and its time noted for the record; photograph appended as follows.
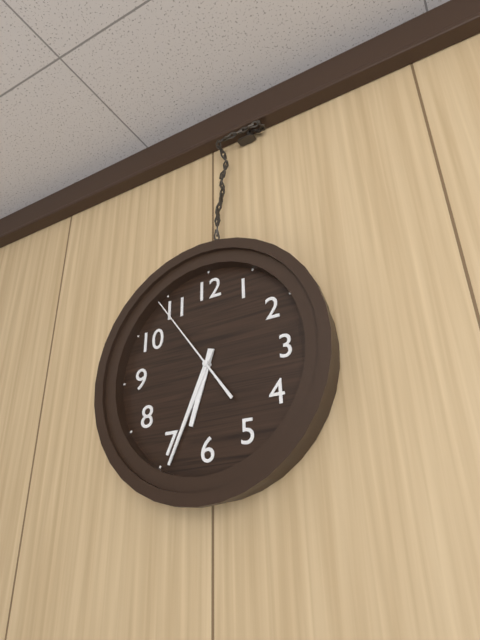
6:34:54
